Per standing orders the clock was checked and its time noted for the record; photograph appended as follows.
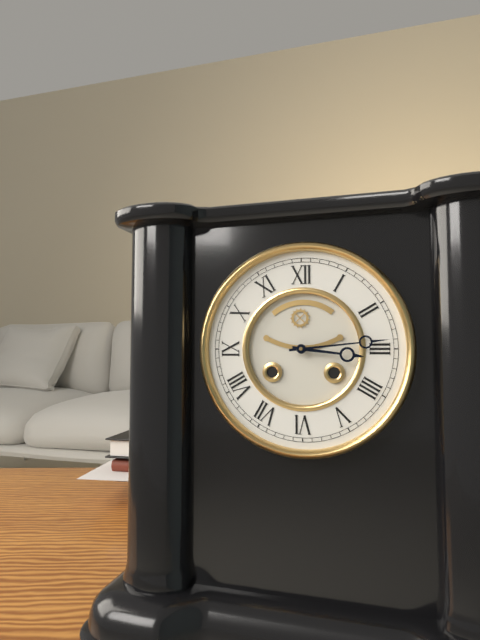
3:14
